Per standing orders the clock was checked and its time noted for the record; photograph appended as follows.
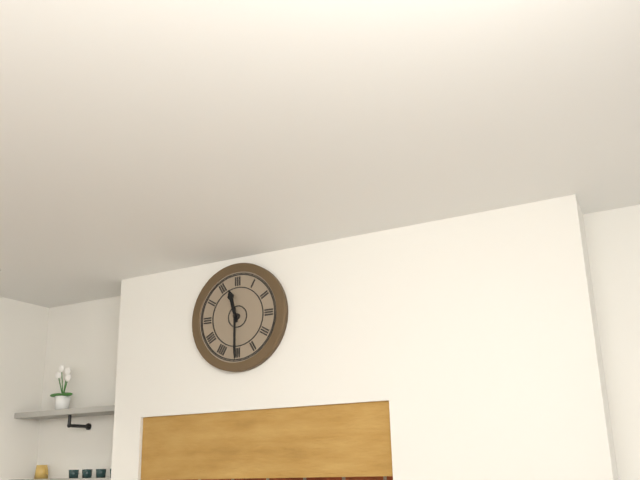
11:30
